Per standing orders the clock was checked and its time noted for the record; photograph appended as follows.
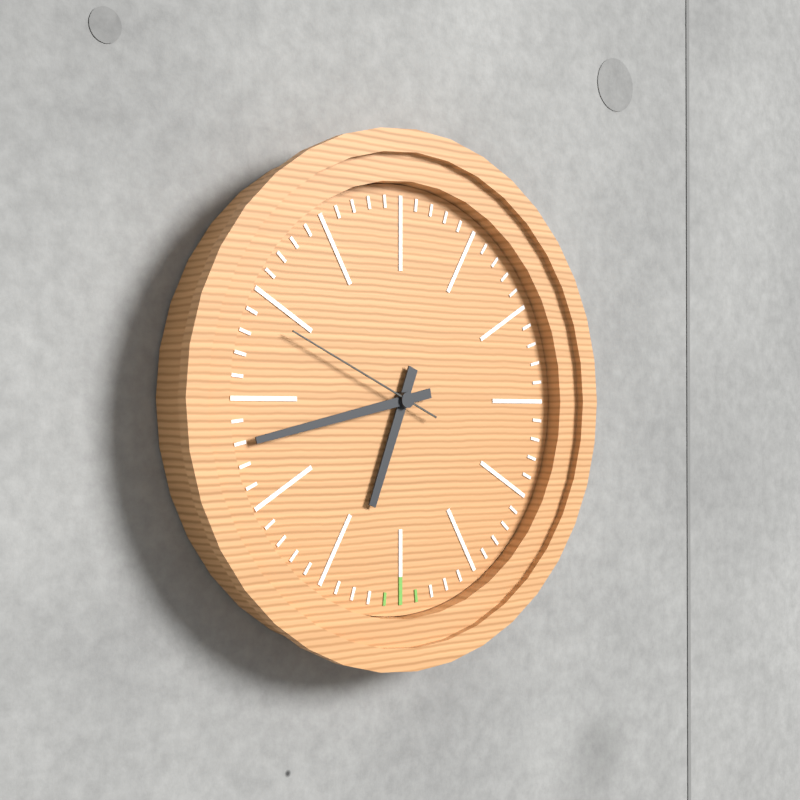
6:43:49
